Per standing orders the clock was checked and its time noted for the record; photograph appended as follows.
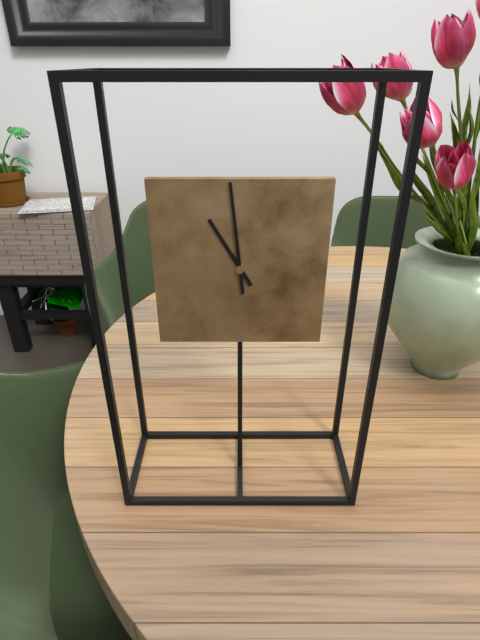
10:59
